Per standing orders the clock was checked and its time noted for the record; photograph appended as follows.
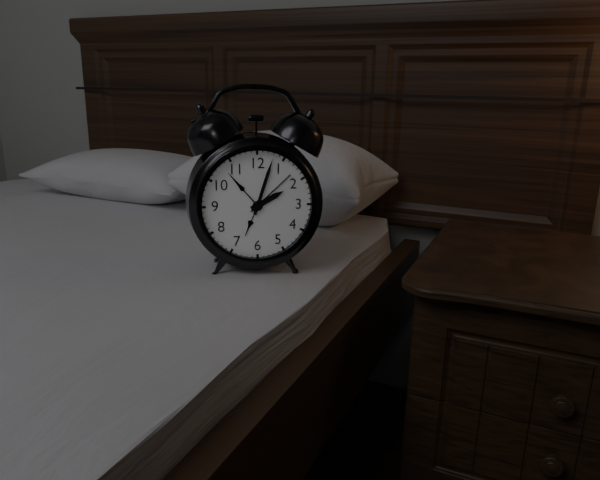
2:03
